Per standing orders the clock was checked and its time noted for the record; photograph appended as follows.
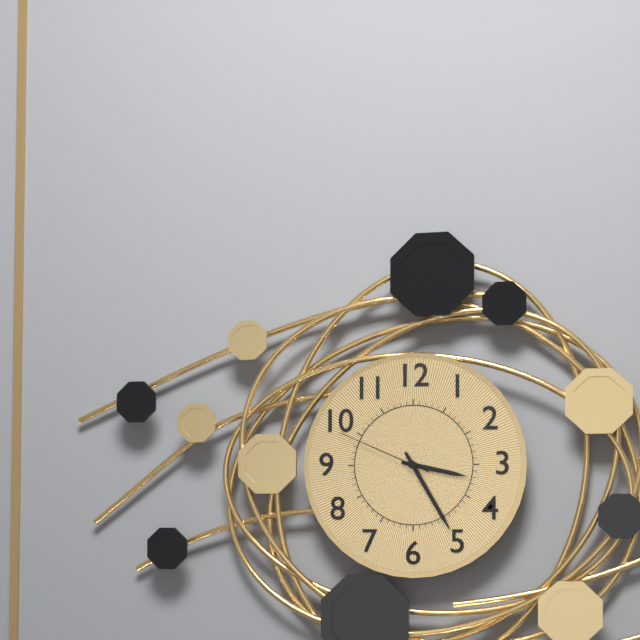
3:25:49
